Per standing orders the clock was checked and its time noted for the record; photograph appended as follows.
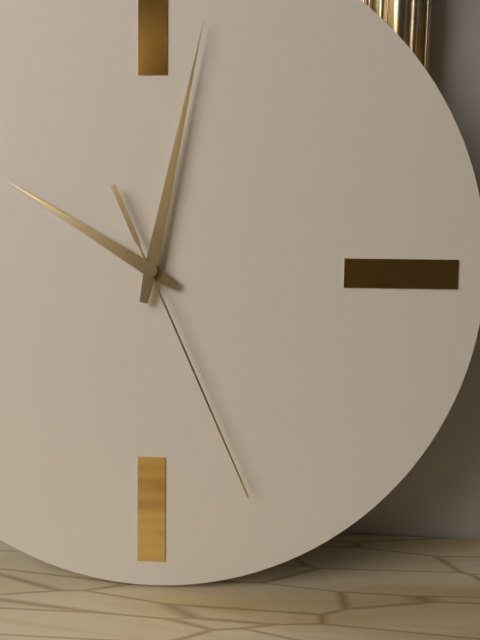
10:02:26
